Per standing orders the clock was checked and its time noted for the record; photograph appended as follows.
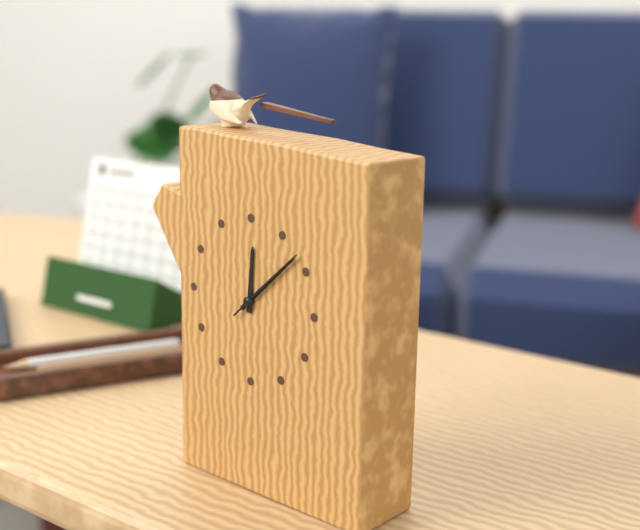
12:08:08
